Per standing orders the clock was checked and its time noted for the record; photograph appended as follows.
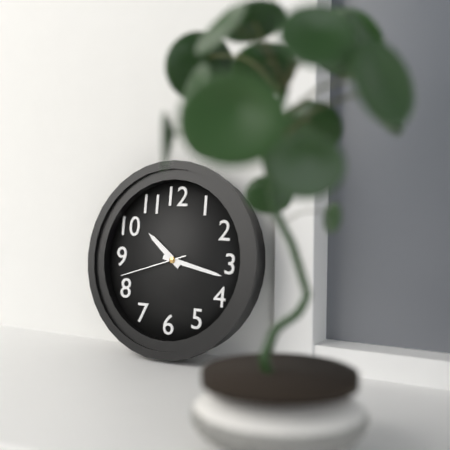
10:17:42
